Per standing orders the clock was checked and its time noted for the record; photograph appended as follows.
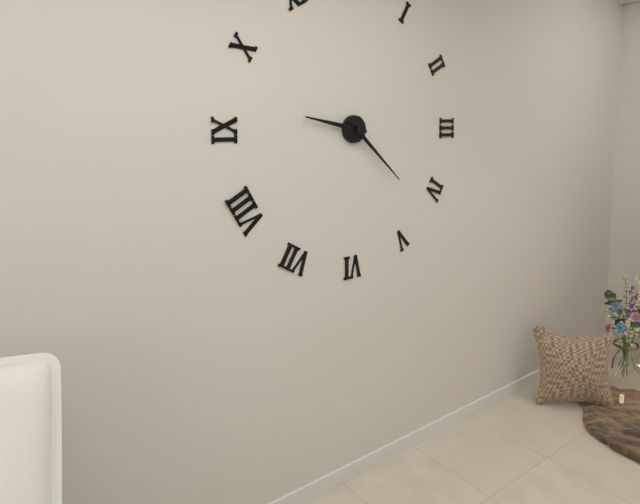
9:22
